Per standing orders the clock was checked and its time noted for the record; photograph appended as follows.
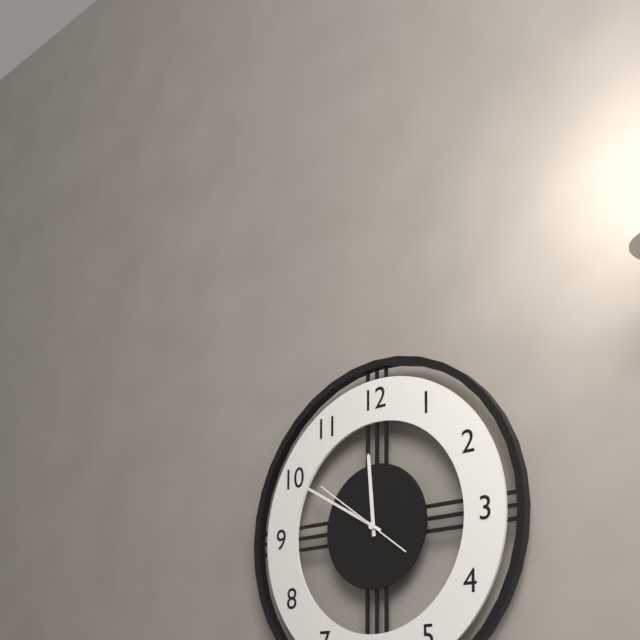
11:50:51
